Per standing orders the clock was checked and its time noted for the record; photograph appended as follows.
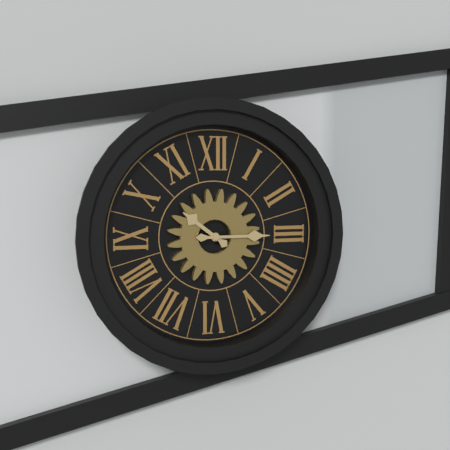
10:15
